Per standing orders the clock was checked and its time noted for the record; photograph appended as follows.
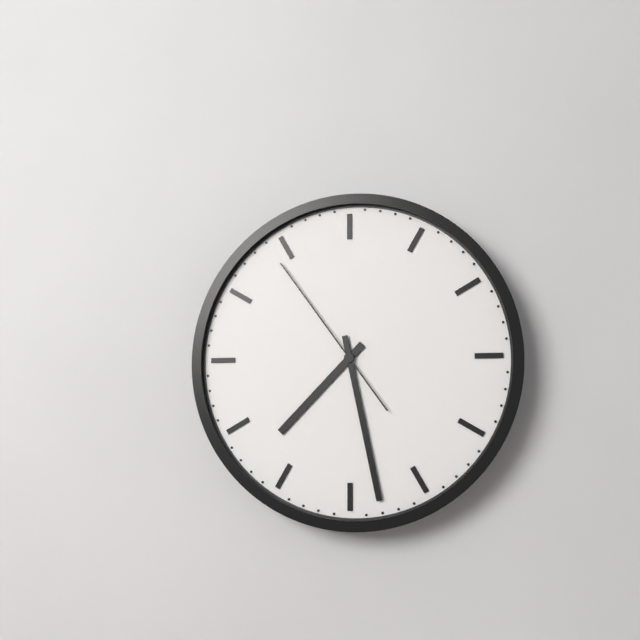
7:28:54
